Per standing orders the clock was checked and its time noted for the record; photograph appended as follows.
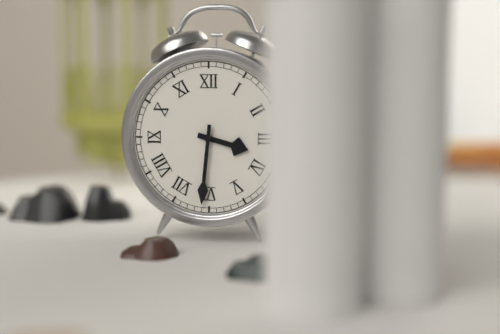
3:31
